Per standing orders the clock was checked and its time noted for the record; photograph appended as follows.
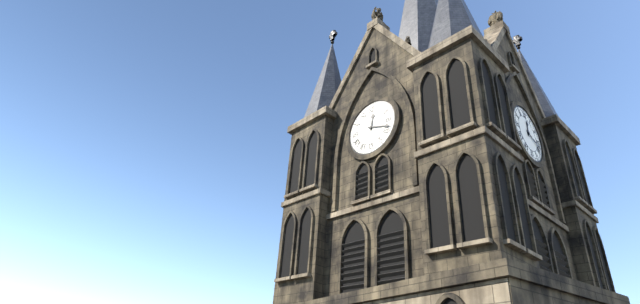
12:18
